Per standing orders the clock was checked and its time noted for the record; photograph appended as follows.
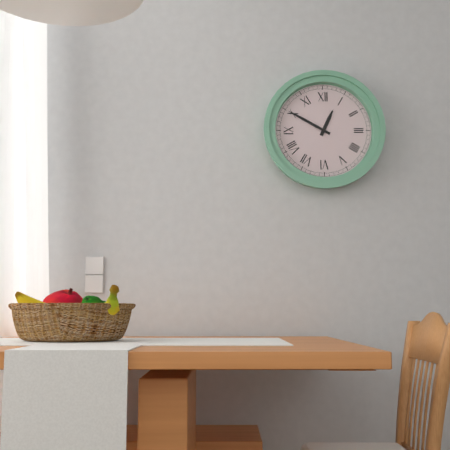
12:50
